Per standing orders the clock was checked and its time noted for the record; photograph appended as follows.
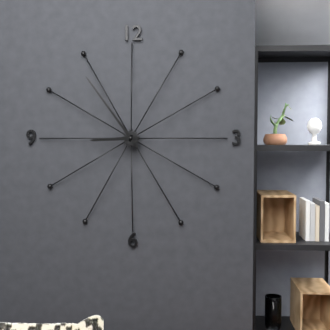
8:54
